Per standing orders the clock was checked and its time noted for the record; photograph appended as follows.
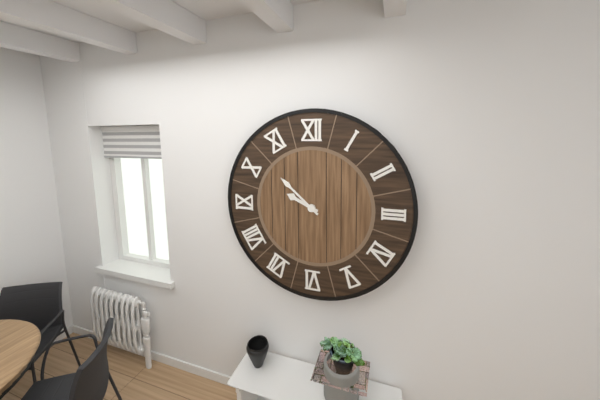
9:52
